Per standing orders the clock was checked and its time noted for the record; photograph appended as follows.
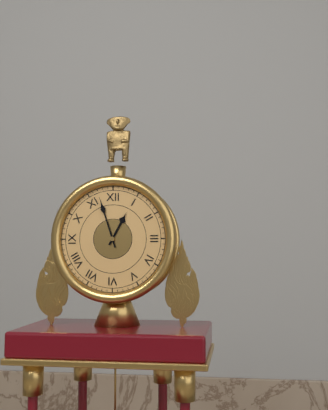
12:57
